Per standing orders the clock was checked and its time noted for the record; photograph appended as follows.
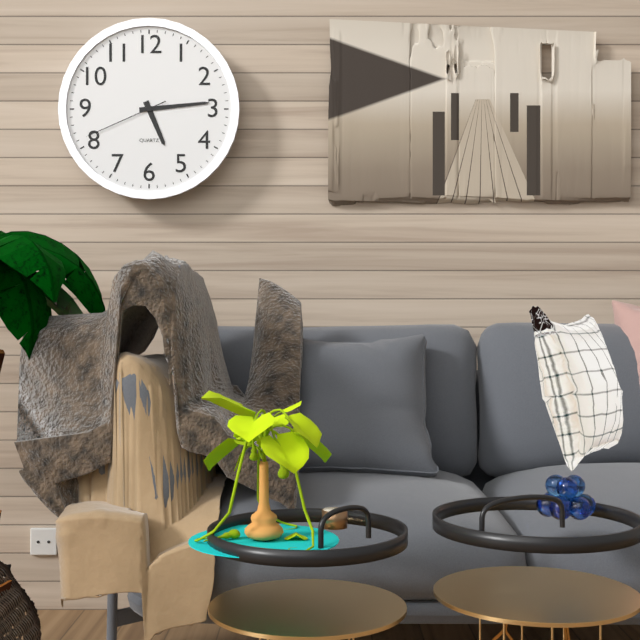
5:14:41
